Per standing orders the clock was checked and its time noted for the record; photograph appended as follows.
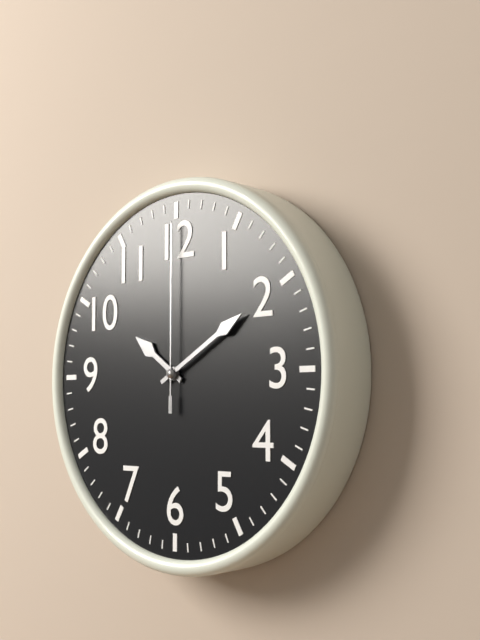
10:10:00
